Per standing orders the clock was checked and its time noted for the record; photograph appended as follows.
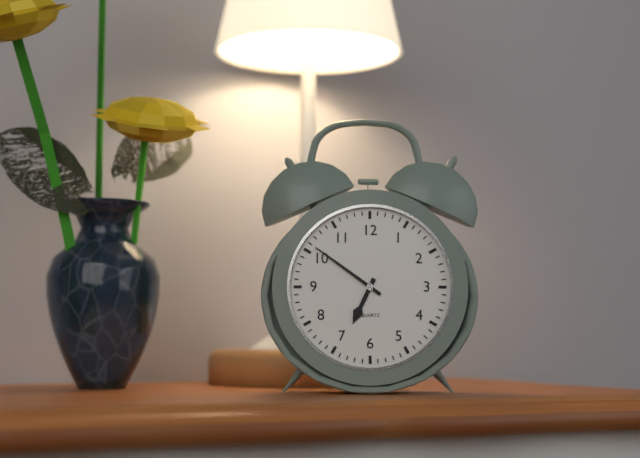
6:51
